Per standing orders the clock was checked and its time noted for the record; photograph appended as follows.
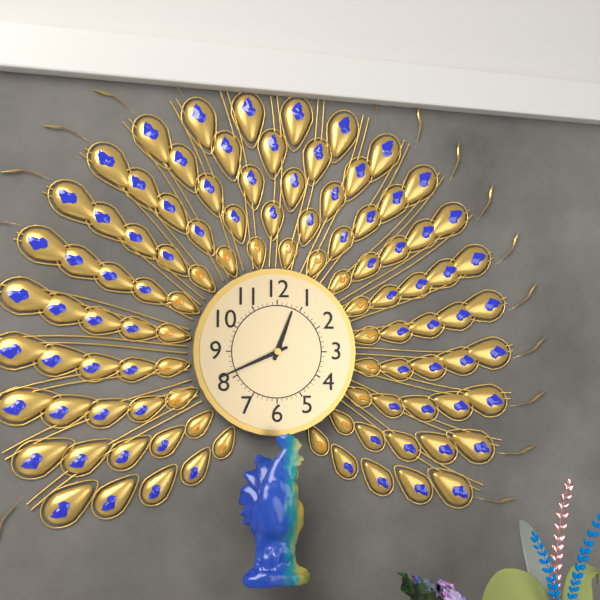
12:41
